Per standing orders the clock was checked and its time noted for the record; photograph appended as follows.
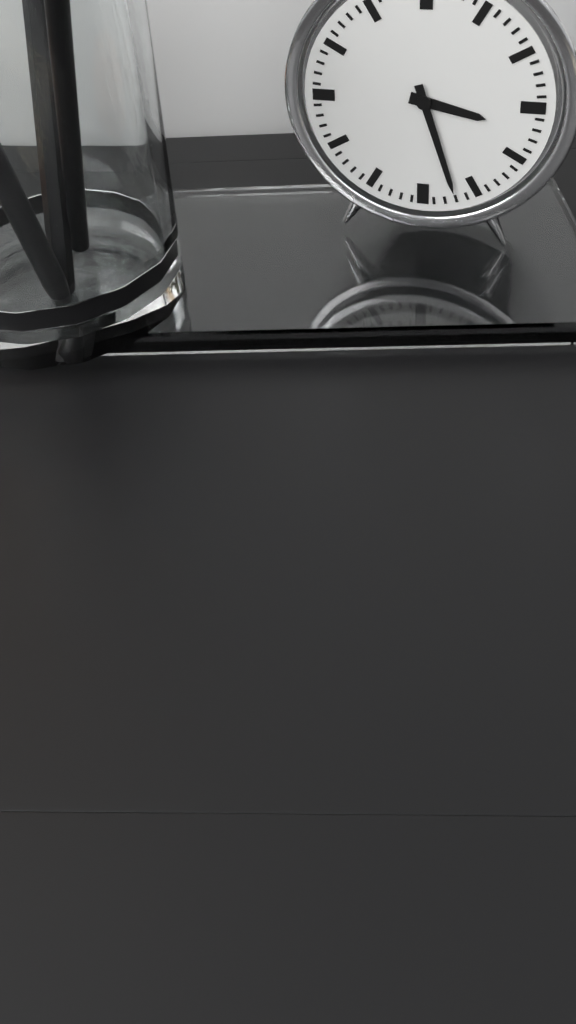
3:27
